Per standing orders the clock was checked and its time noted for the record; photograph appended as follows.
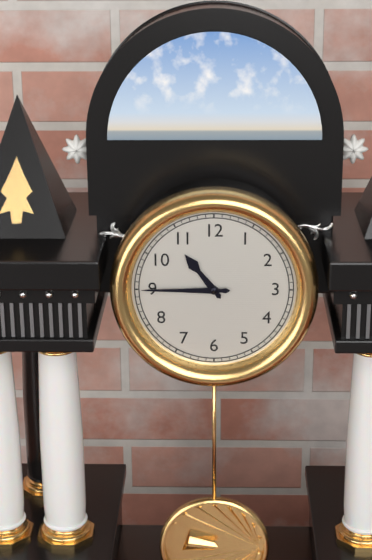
10:45
